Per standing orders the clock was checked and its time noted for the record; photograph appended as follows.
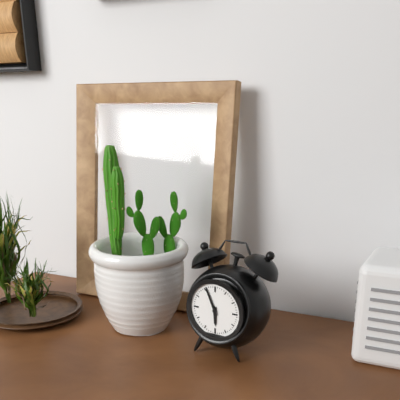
5:56
